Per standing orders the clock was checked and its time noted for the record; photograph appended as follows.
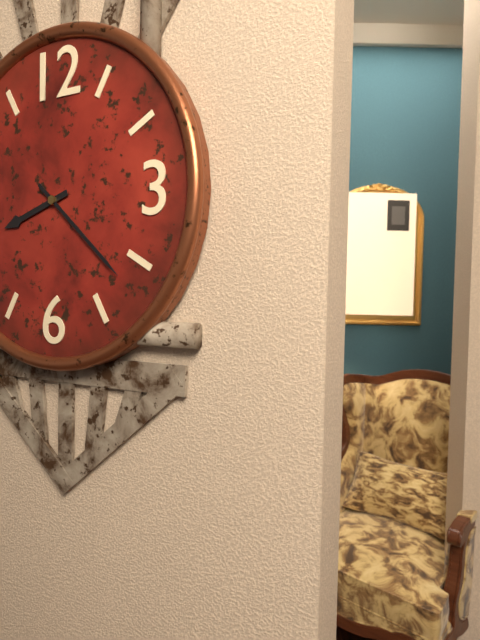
8:22
